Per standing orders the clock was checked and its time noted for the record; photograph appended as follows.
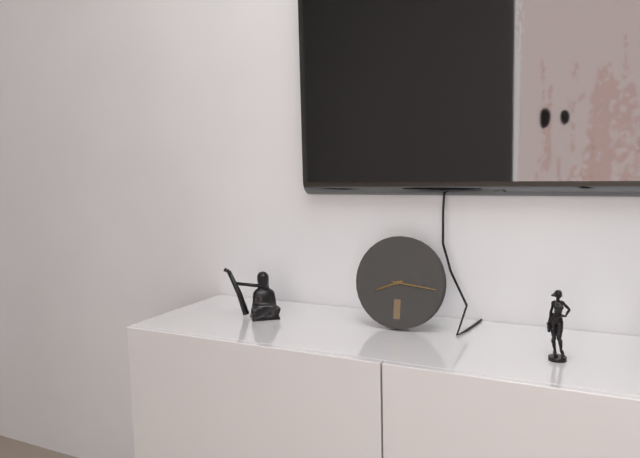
8:16
